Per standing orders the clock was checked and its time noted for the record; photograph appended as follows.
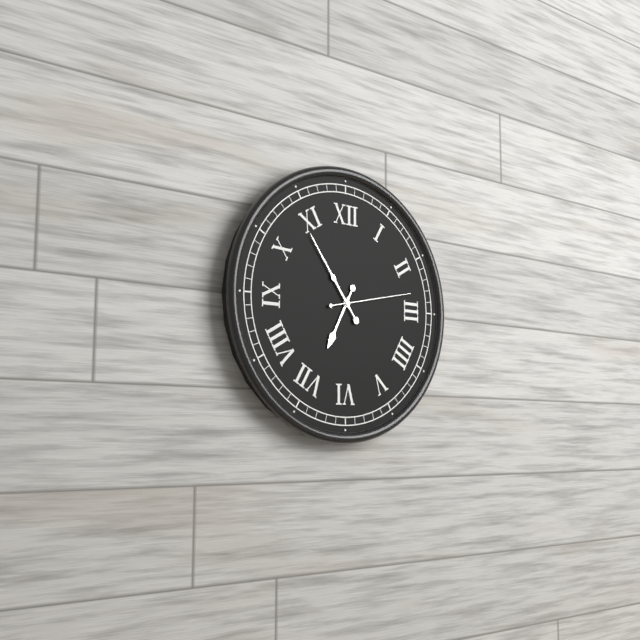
6:54:13
